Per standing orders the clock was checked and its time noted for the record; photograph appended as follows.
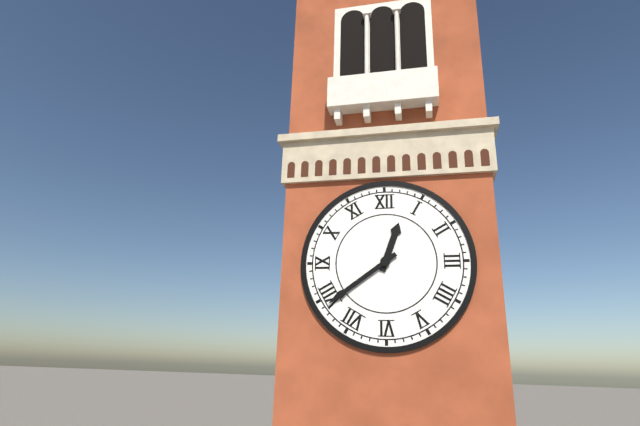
12:39
